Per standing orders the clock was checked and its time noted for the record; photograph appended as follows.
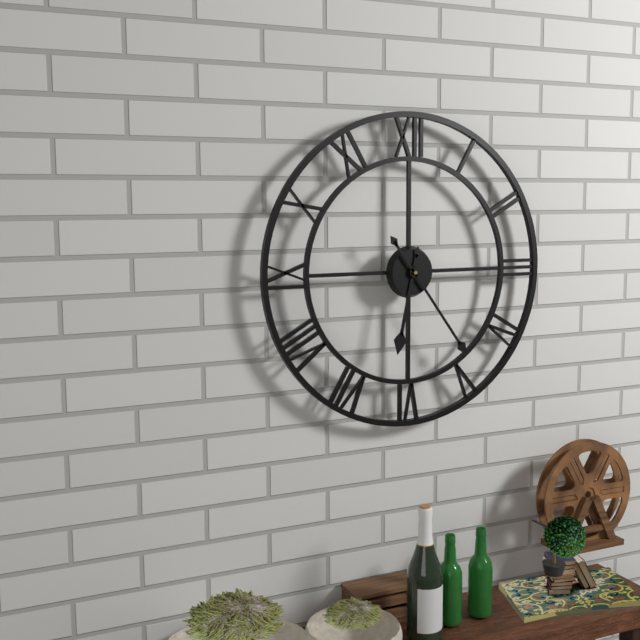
6:24
